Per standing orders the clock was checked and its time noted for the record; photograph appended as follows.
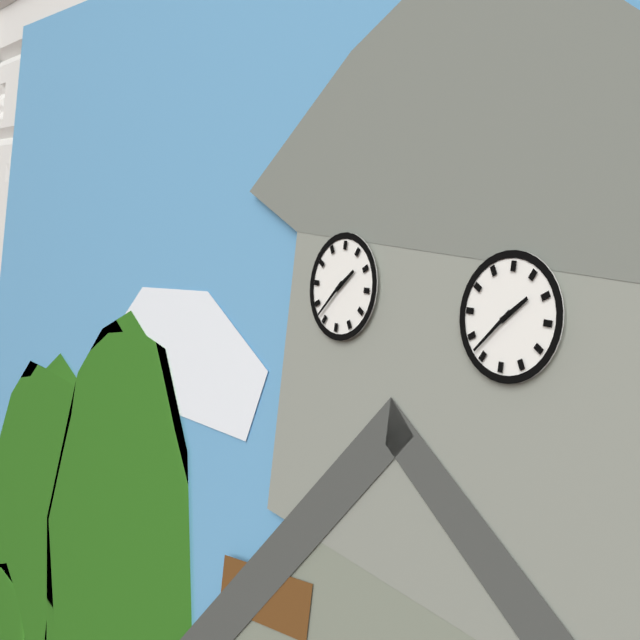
1:37
